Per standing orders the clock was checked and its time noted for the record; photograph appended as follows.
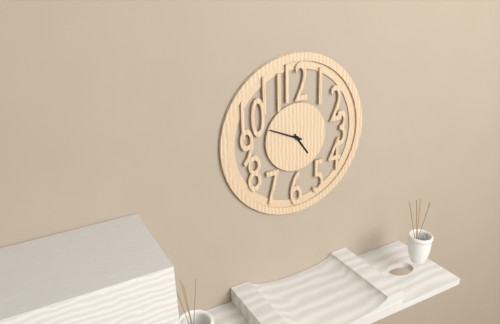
4:49
